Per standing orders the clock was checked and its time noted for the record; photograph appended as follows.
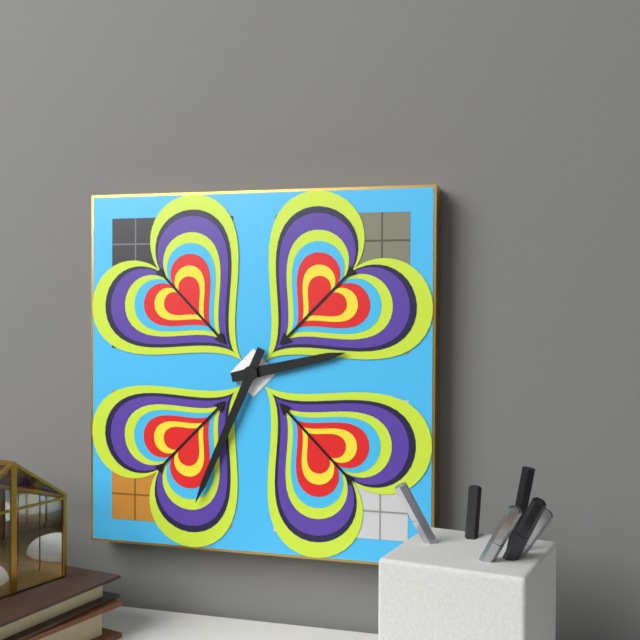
2:34
